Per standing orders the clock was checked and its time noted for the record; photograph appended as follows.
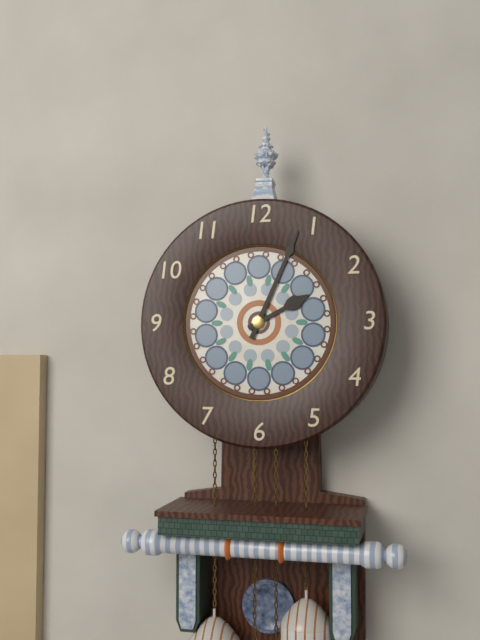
2:04
